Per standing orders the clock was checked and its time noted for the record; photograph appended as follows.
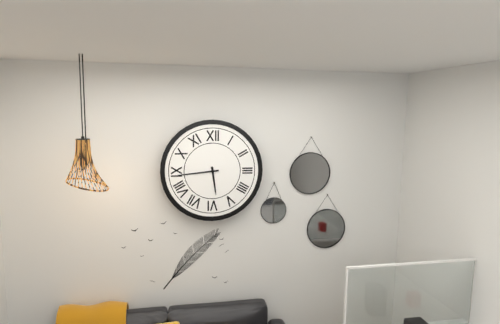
5:44
